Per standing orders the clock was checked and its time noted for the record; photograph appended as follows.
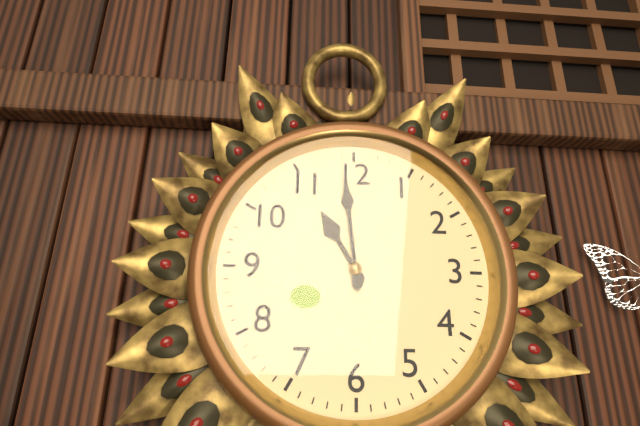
10:59
